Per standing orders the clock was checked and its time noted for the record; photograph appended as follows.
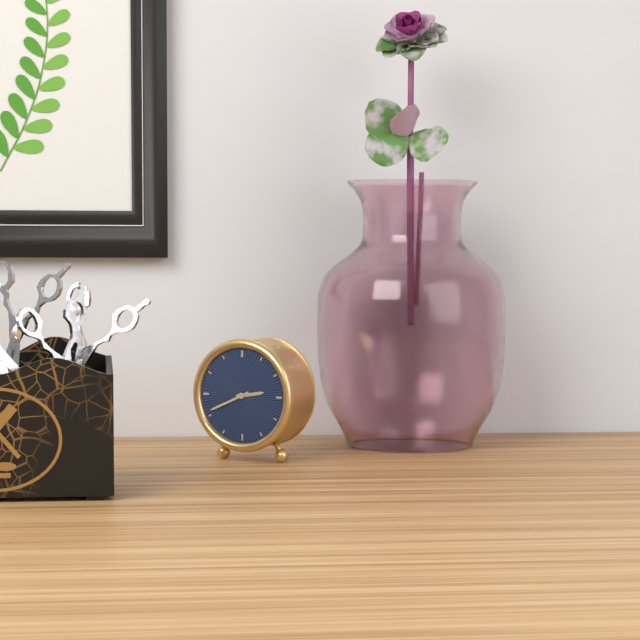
2:41
